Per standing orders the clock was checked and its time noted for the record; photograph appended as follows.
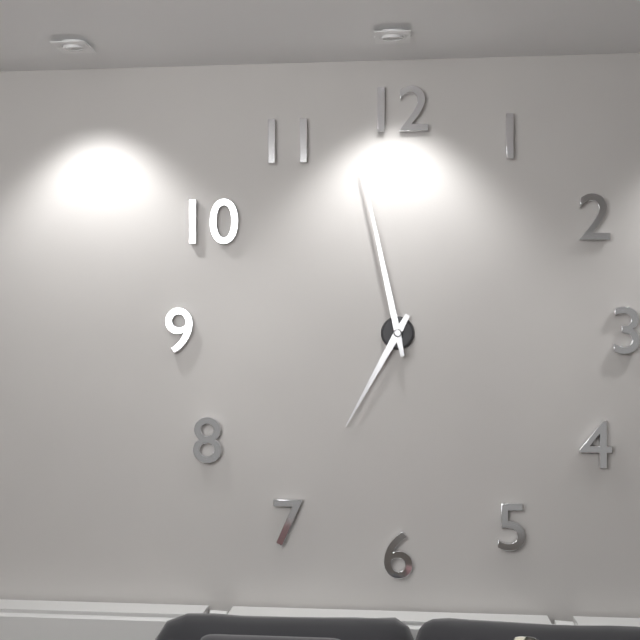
6:58
